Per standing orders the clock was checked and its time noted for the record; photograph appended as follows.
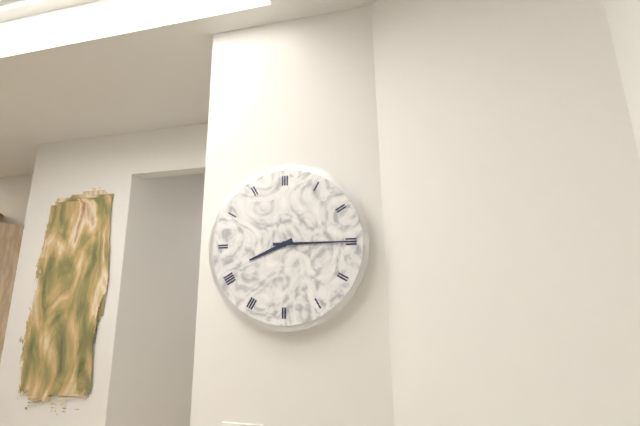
8:15
